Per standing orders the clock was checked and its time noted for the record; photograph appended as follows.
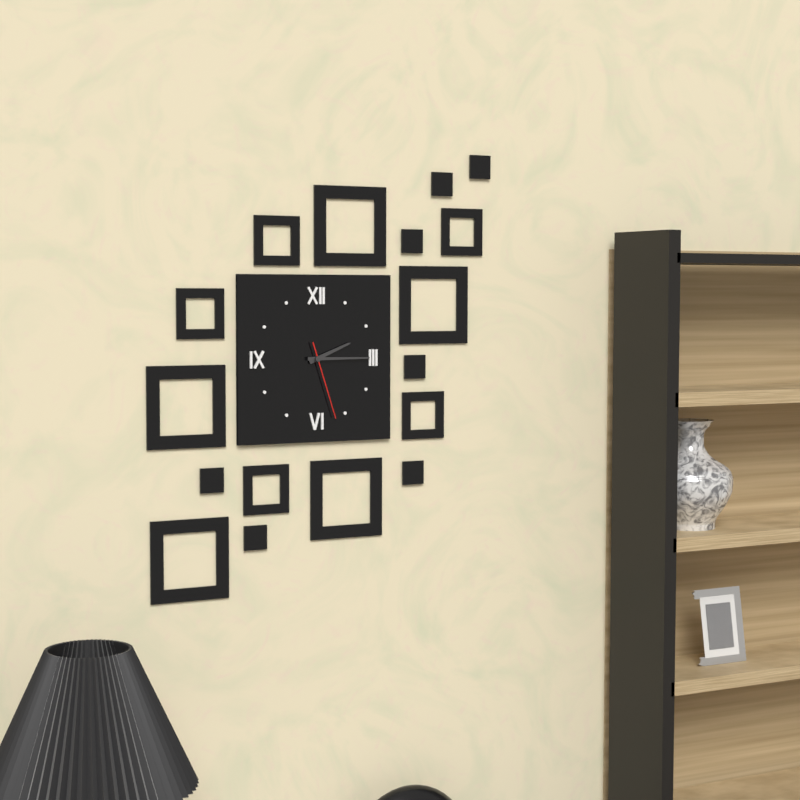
2:15:27
